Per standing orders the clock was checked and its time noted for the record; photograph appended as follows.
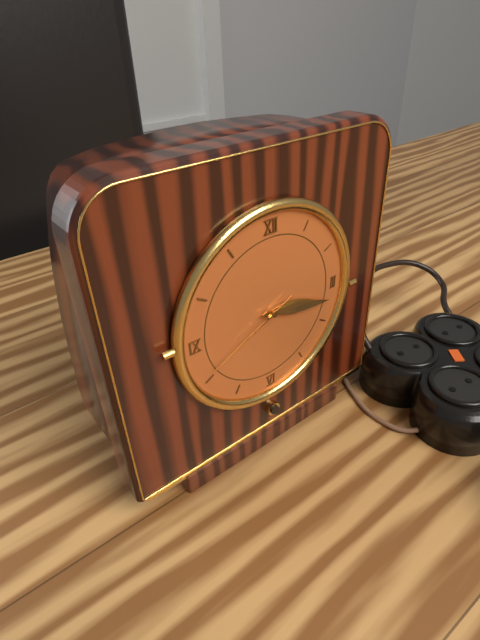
3:17:41
